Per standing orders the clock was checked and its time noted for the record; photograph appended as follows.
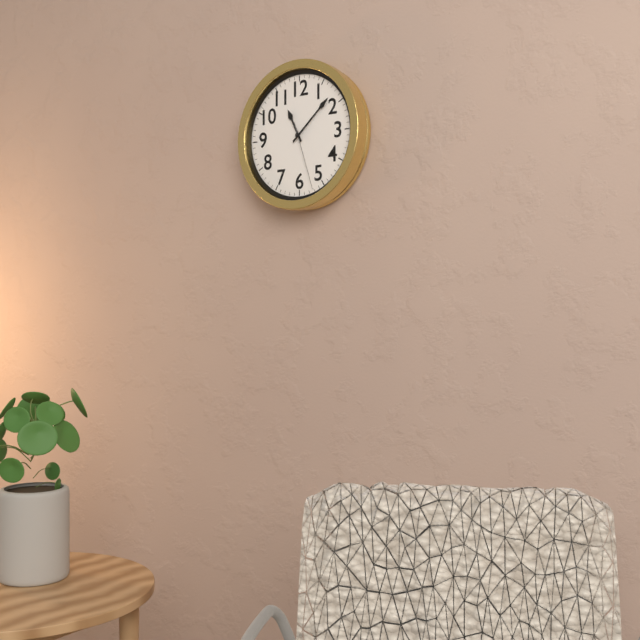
11:08:27
